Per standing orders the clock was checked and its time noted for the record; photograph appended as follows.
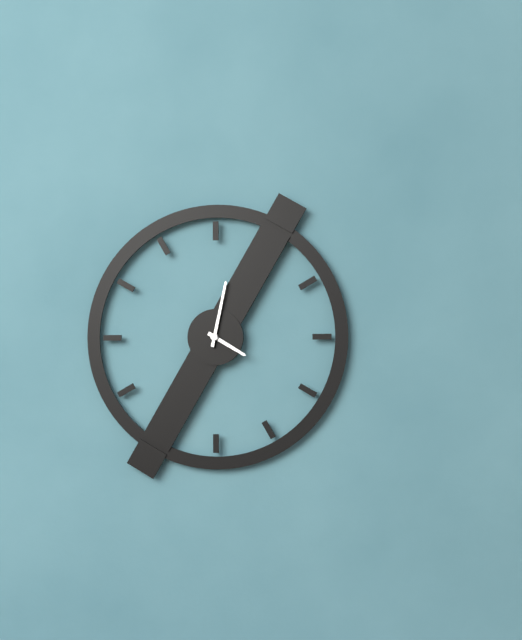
4:02
